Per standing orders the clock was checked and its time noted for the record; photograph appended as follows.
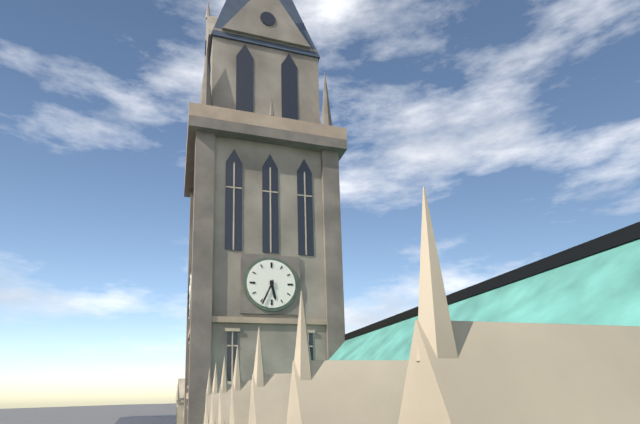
5:34
